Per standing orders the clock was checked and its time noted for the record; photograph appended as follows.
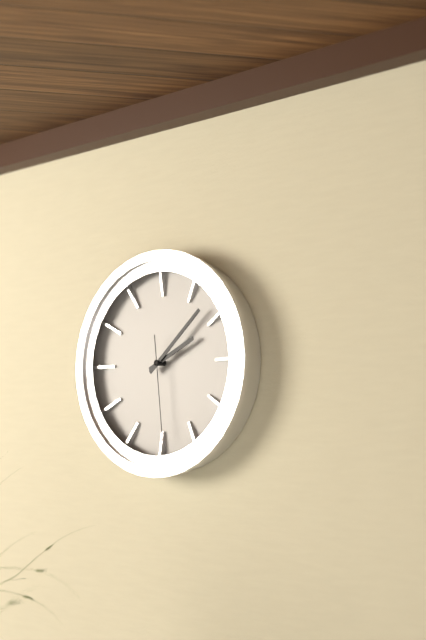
2:08:29
